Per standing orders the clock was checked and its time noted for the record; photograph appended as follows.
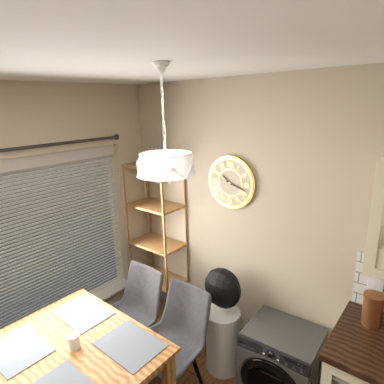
10:18
